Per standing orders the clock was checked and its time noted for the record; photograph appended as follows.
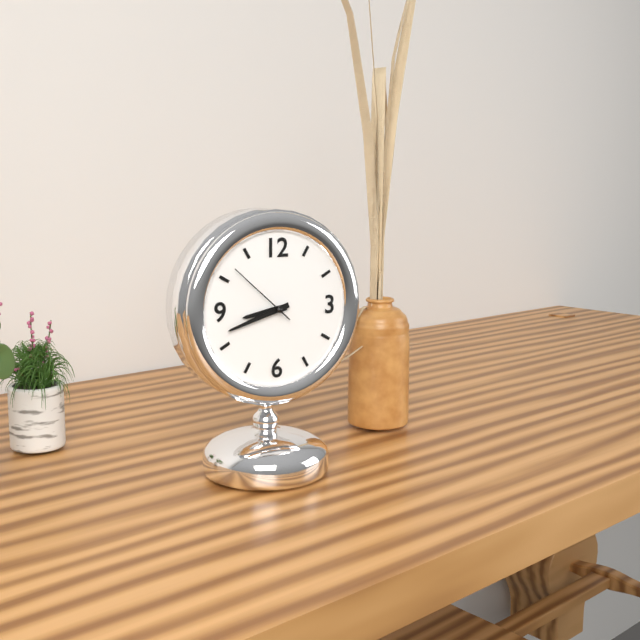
8:42:52
